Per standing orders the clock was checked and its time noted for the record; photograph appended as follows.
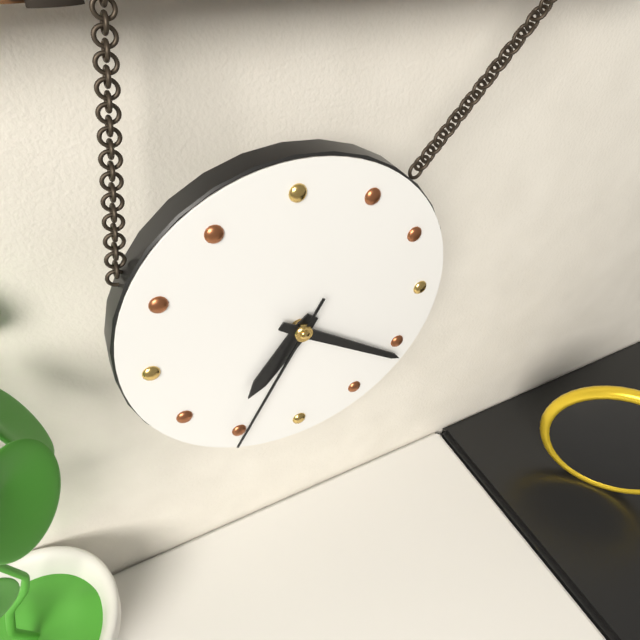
7:21:35
